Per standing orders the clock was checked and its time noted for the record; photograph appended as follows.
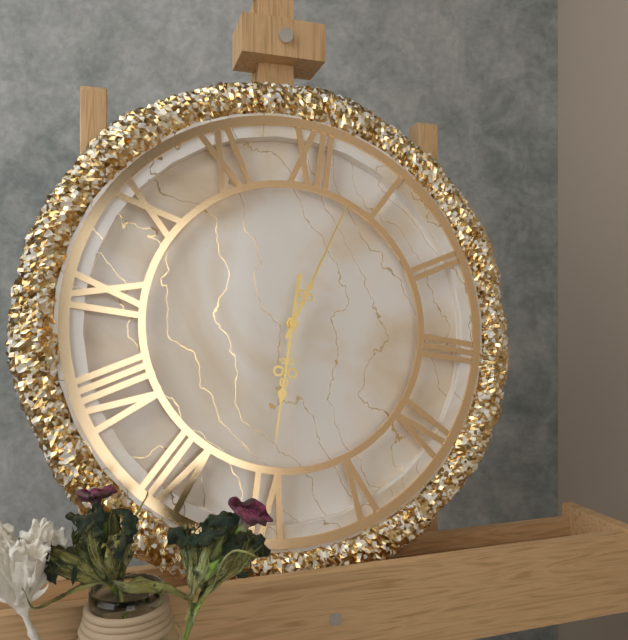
6:03
